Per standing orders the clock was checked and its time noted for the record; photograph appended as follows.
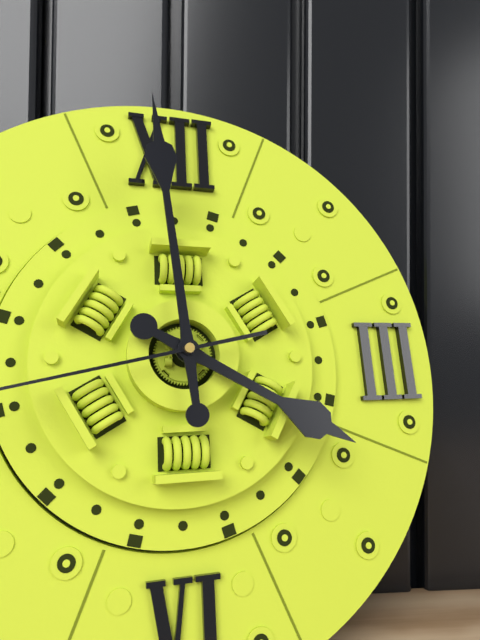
3:59
